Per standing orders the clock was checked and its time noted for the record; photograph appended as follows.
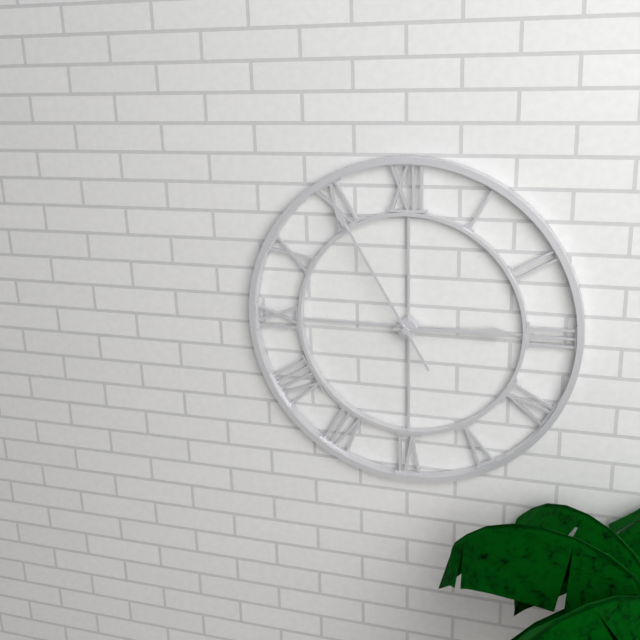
2:55
